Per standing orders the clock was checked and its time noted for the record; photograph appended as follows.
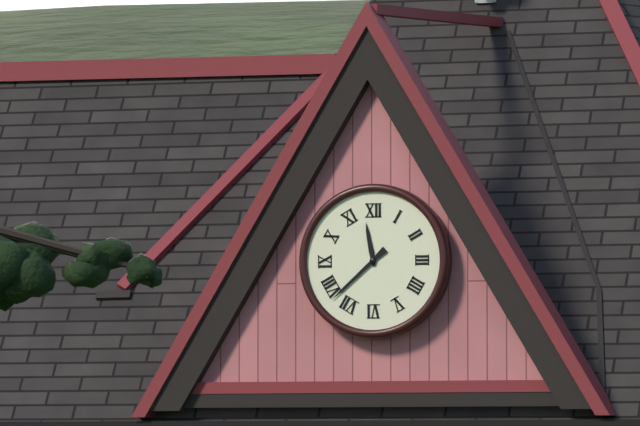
11:38
